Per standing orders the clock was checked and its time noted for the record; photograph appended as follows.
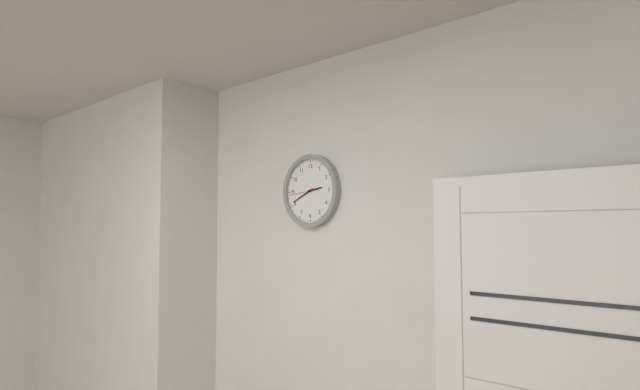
2:41
